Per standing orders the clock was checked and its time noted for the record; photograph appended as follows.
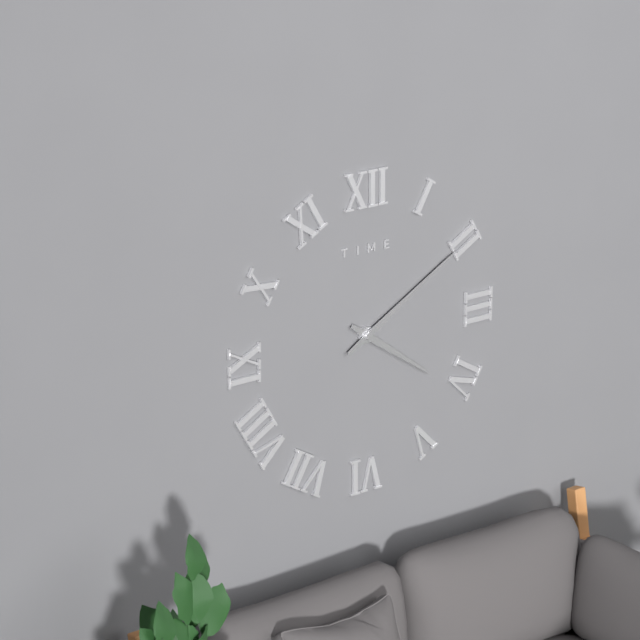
4:10
